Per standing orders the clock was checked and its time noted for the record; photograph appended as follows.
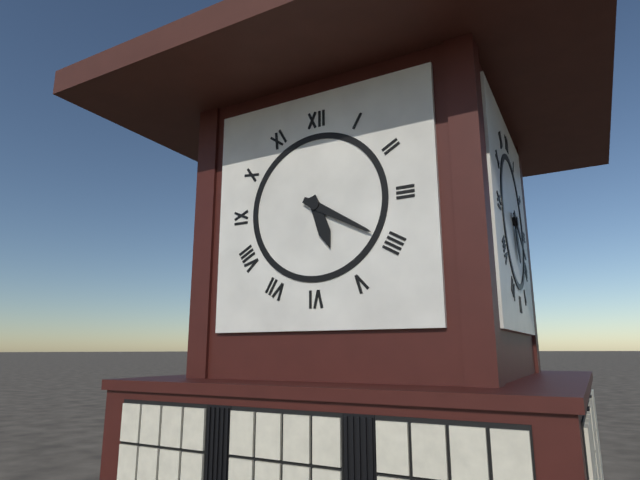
5:20
